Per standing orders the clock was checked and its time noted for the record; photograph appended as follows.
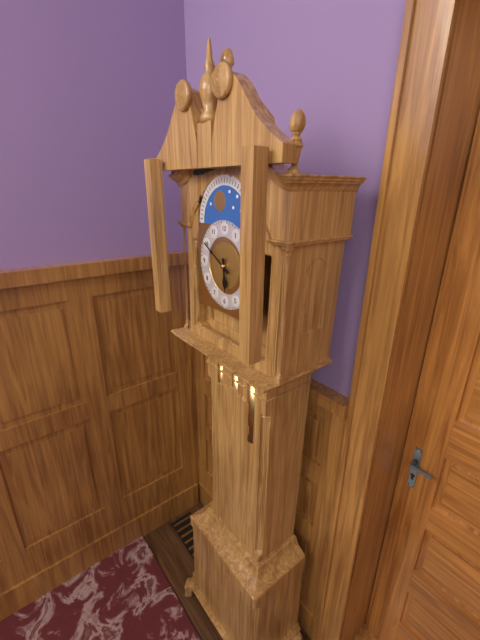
5:50
